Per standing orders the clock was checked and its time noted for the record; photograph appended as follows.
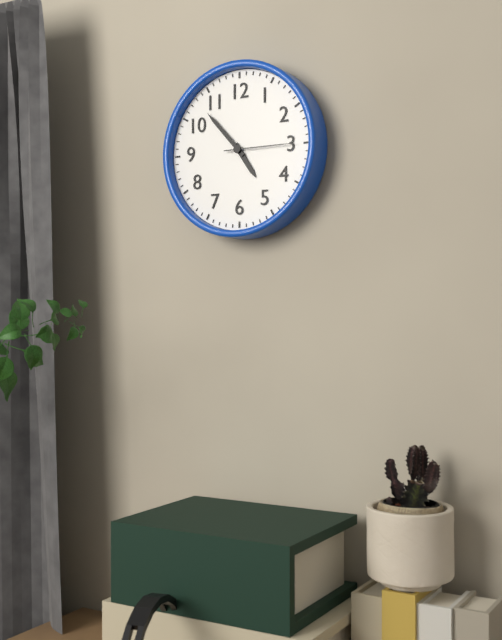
4:53:15
